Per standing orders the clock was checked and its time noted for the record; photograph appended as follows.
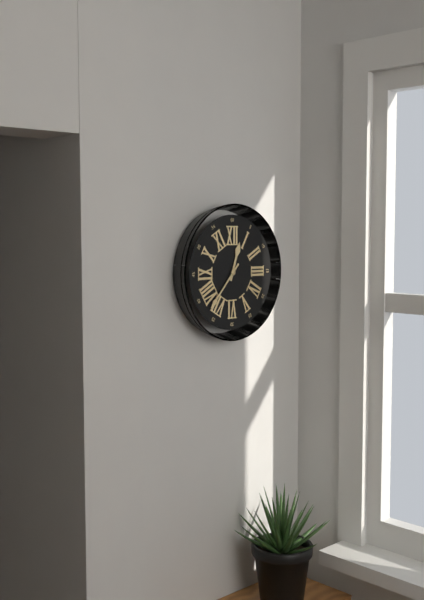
12:37
